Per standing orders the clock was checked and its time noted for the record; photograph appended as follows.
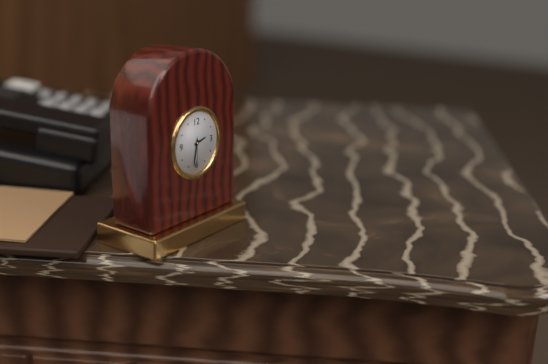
2:32
